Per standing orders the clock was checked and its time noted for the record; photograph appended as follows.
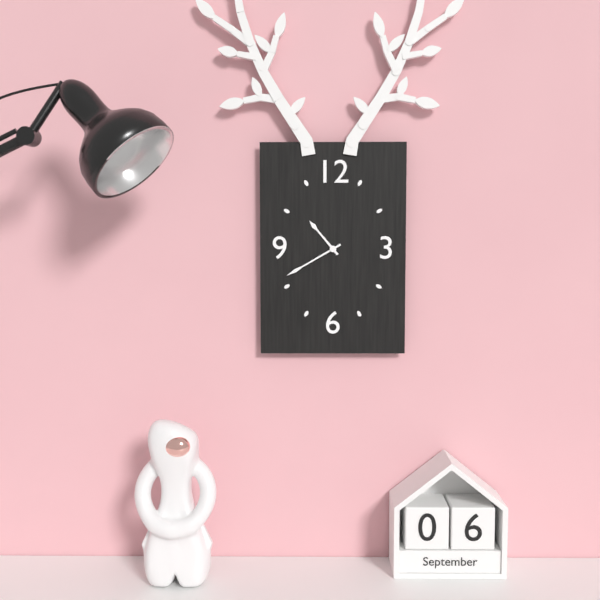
10:40
